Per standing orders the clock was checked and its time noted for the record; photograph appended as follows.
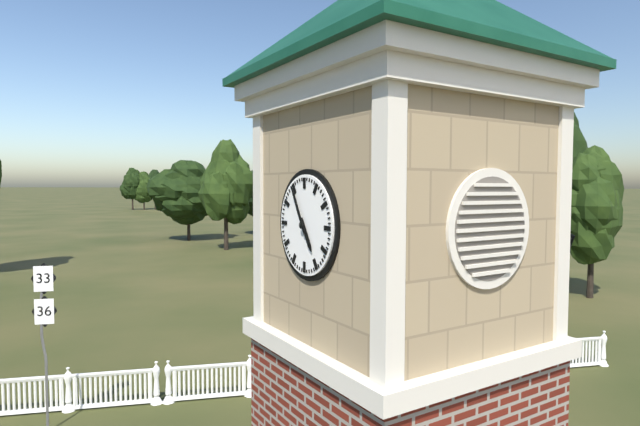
4:55
